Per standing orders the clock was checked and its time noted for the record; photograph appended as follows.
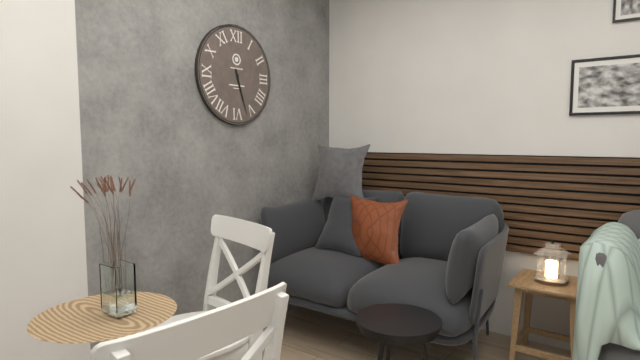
5:27
